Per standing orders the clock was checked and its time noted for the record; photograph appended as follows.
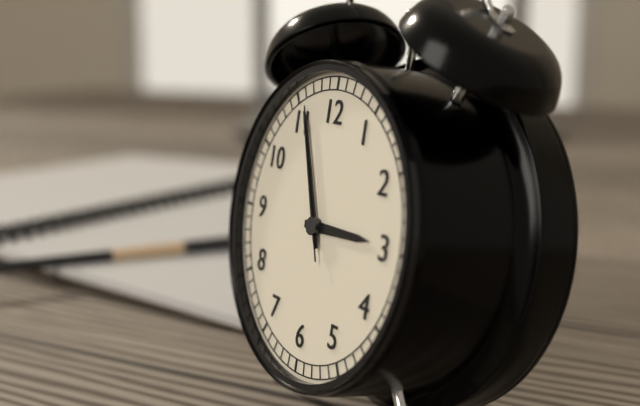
2:56:56
